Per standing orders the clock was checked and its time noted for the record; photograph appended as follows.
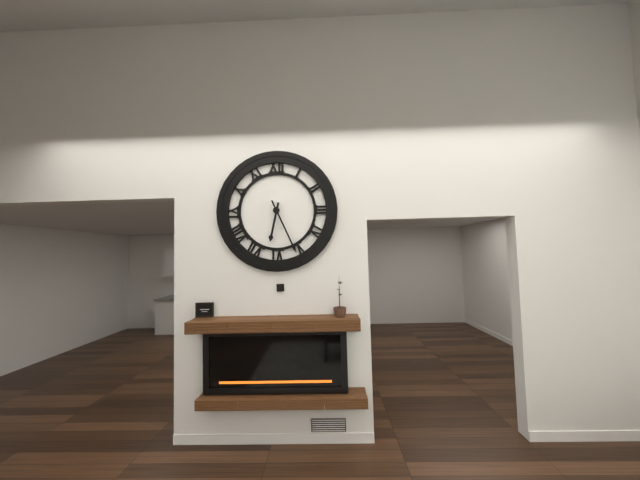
6:26
